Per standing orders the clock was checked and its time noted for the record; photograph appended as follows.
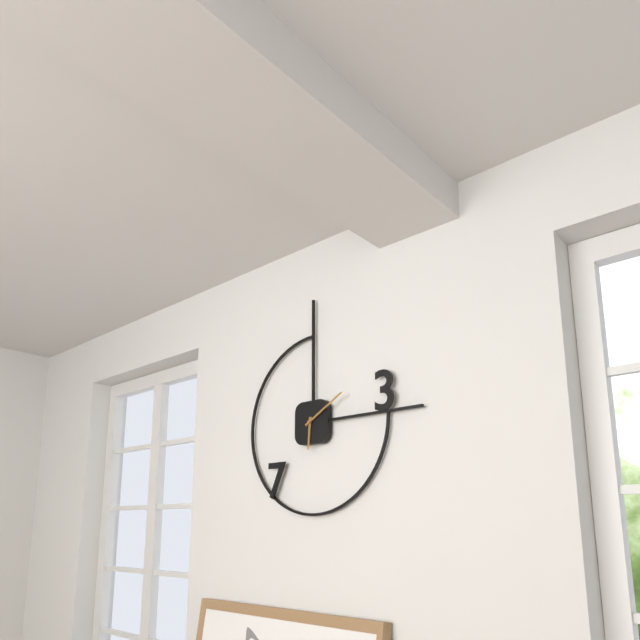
6:10
